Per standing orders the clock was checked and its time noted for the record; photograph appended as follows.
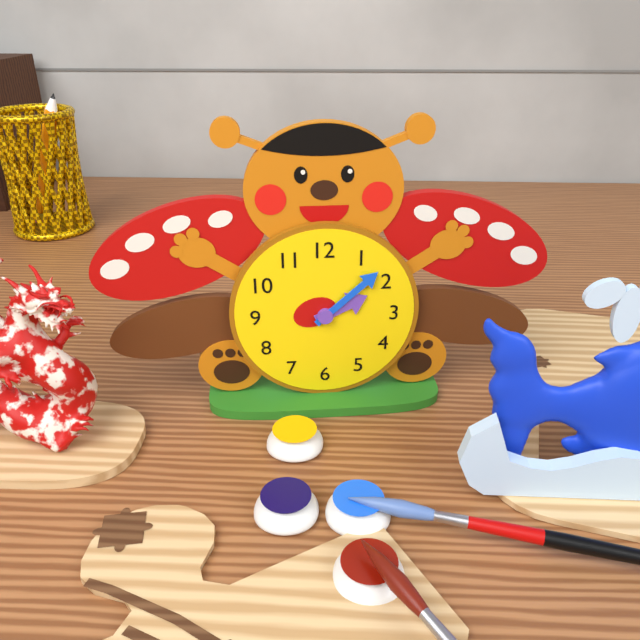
2:08
